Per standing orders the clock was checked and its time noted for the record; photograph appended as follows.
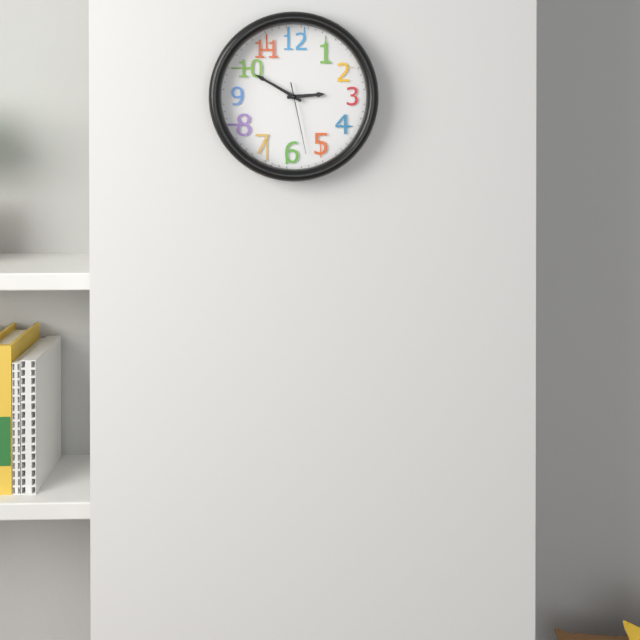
2:50:28
